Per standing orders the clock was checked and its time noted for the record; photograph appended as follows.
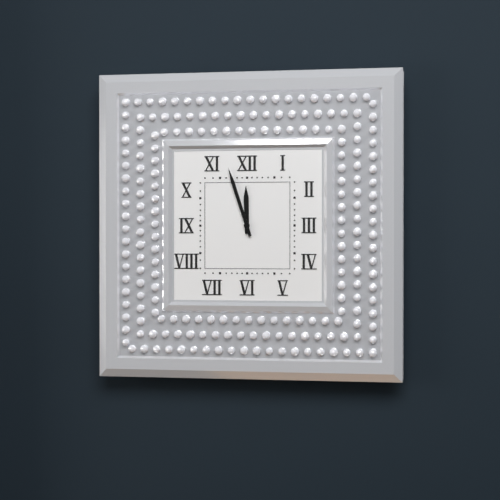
11:57
